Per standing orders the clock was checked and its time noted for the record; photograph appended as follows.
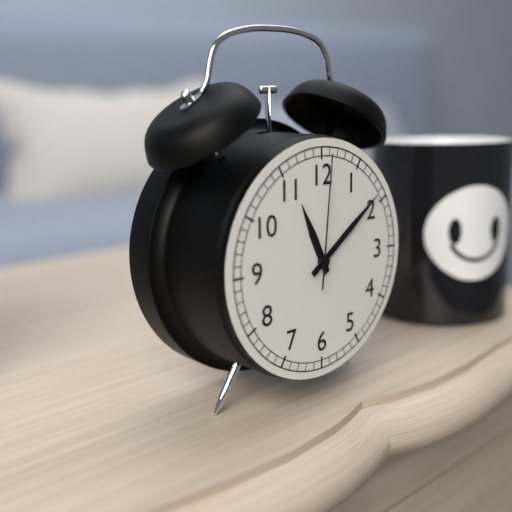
11:09:01
